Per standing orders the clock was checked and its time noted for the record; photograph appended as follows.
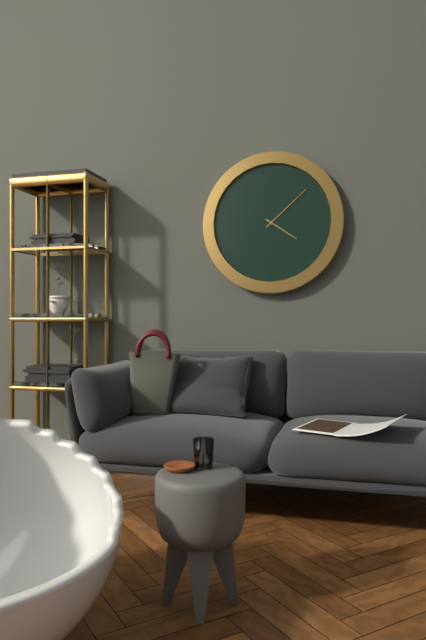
4:08
